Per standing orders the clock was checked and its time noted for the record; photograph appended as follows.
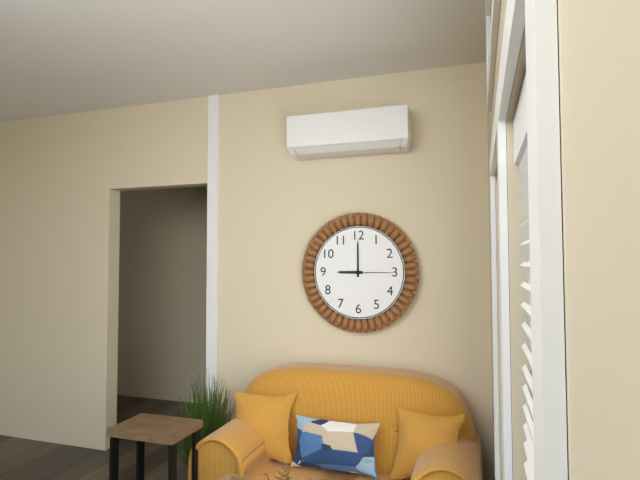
9:00
